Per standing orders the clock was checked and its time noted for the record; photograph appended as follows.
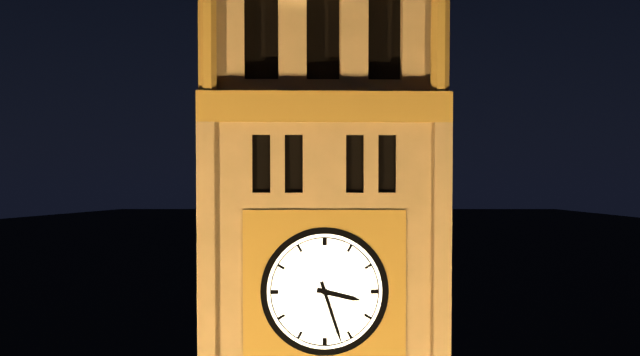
3:27
